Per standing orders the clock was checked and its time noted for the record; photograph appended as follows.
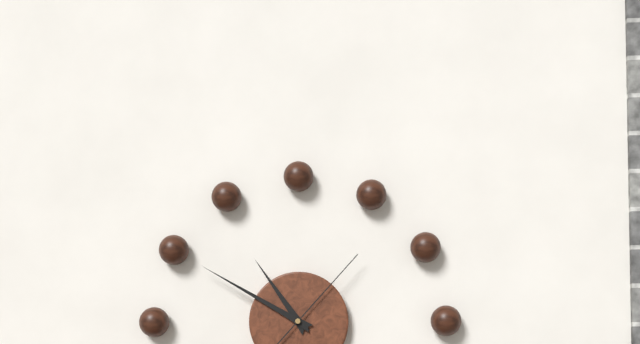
10:50:07
